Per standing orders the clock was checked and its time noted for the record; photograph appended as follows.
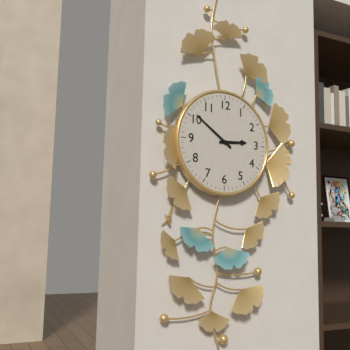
2:51
